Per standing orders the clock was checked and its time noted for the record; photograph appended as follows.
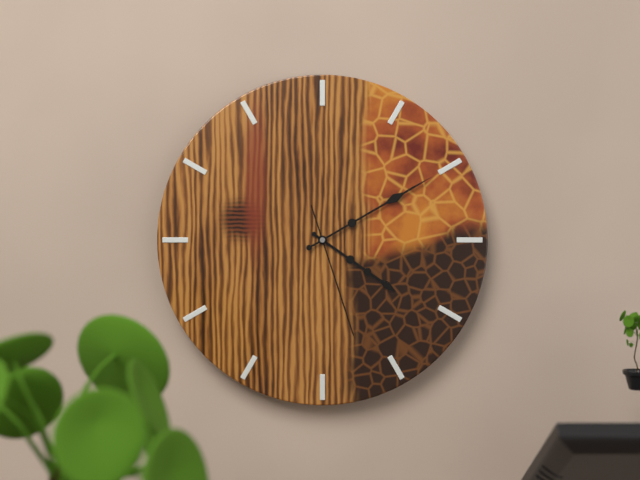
4:10:27
